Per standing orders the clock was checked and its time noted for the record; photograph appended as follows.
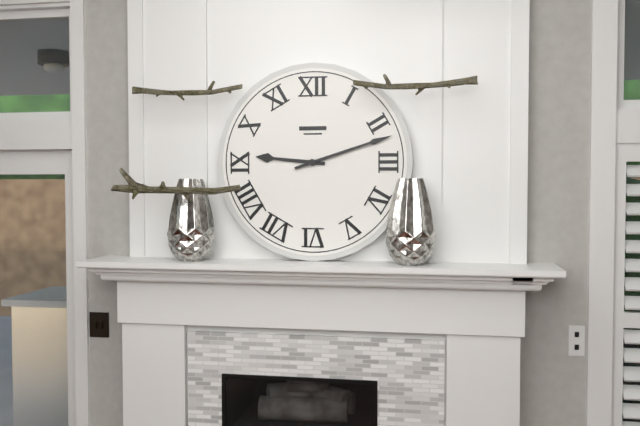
9:12
